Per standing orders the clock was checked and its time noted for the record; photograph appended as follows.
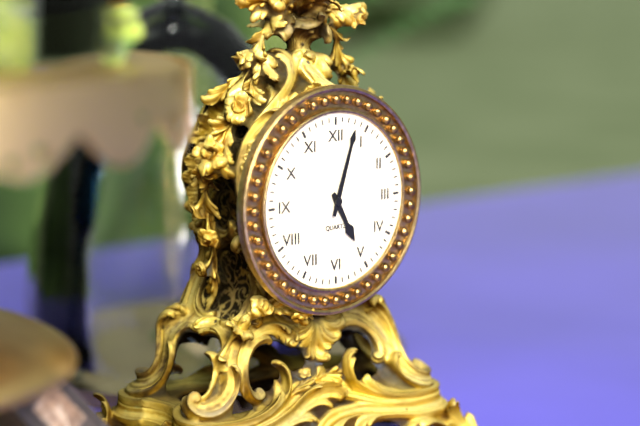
5:03
